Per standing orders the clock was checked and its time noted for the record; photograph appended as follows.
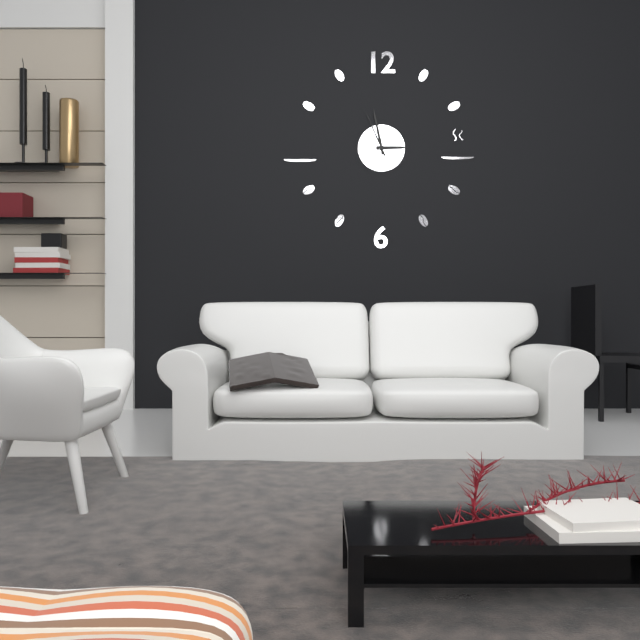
2:58
